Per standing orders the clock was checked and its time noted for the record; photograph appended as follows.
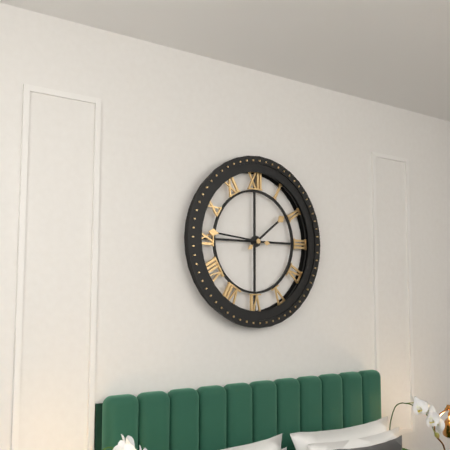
1:46
